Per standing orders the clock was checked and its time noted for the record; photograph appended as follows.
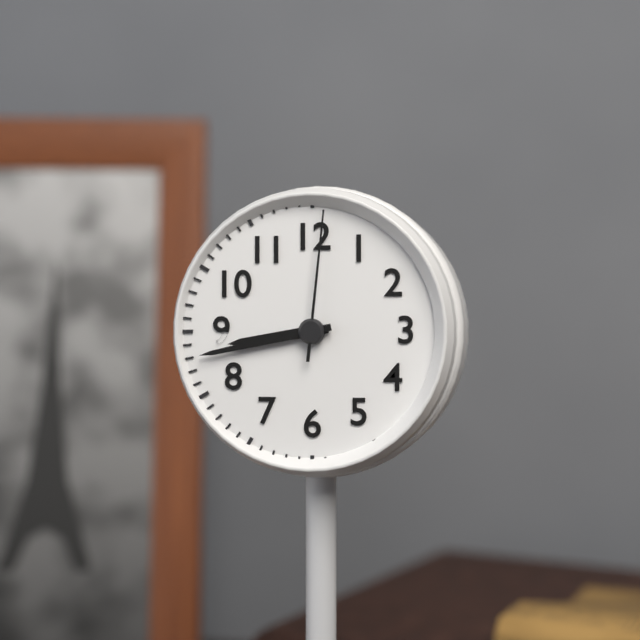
8:43:01
